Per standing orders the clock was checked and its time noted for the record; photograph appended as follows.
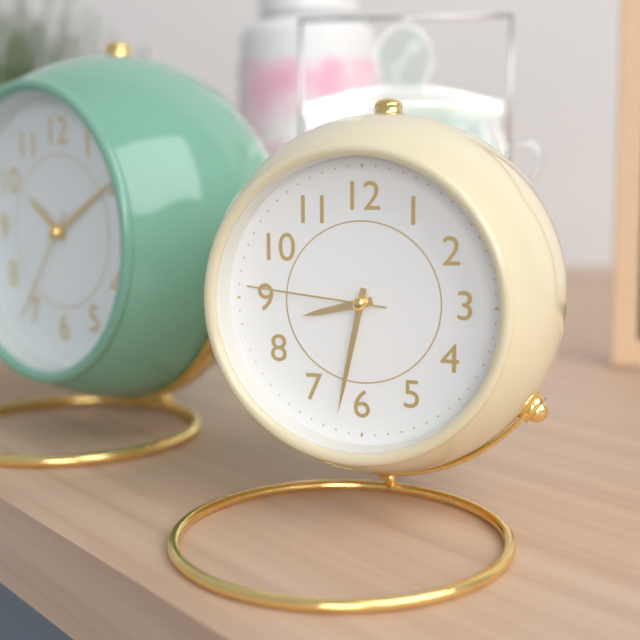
8:32:46
